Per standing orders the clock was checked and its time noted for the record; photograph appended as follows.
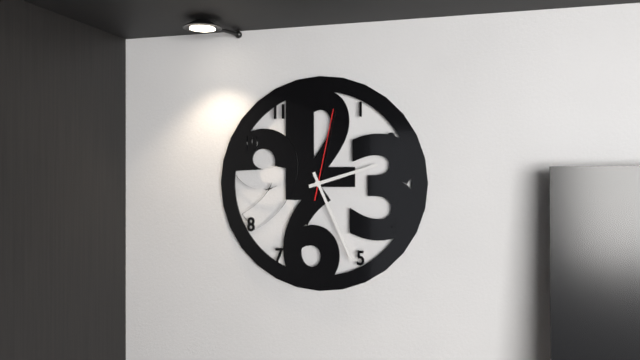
2:26:02
